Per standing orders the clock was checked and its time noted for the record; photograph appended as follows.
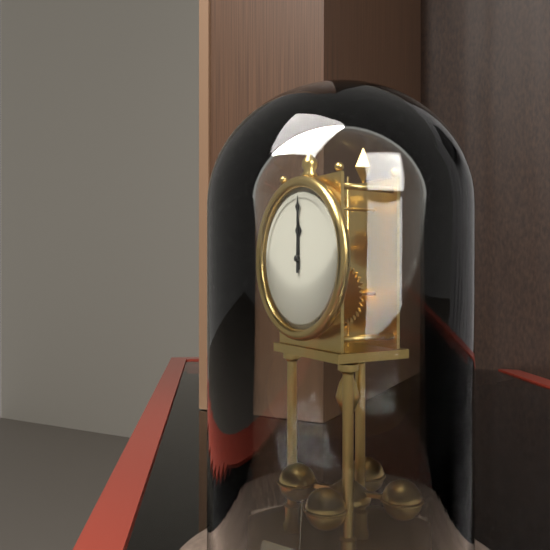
12:00
